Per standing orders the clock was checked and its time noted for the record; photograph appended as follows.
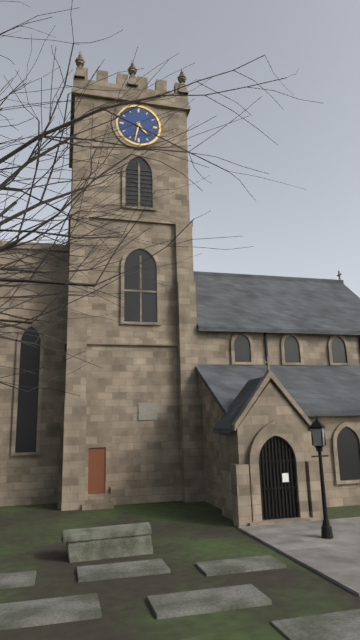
4:32
